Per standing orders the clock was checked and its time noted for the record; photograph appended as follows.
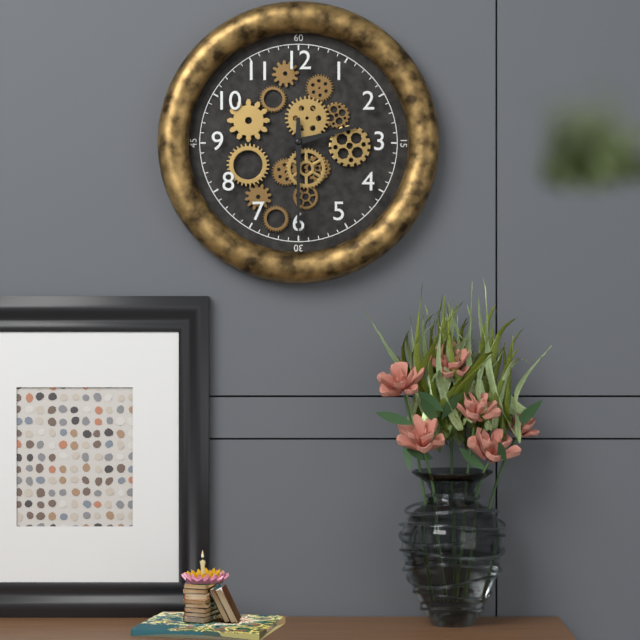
2:30
